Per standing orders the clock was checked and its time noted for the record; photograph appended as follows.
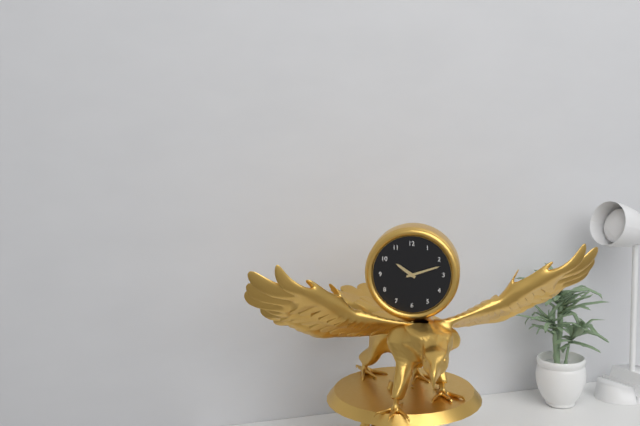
10:12
